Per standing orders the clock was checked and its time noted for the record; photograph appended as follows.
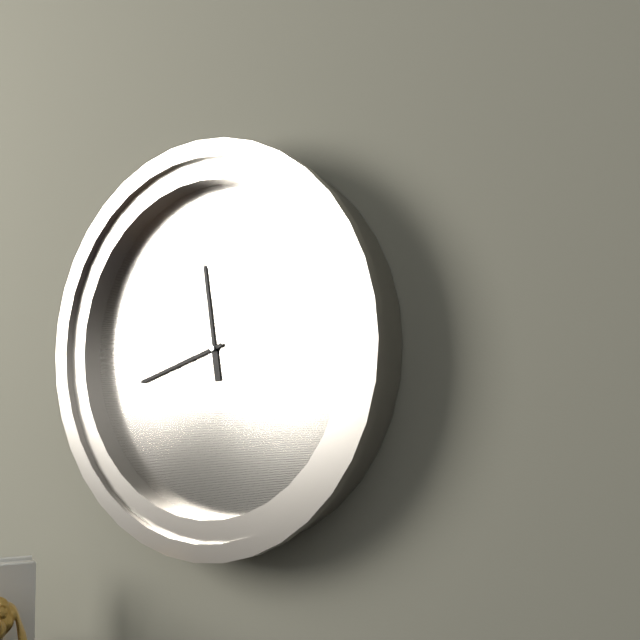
11:42
